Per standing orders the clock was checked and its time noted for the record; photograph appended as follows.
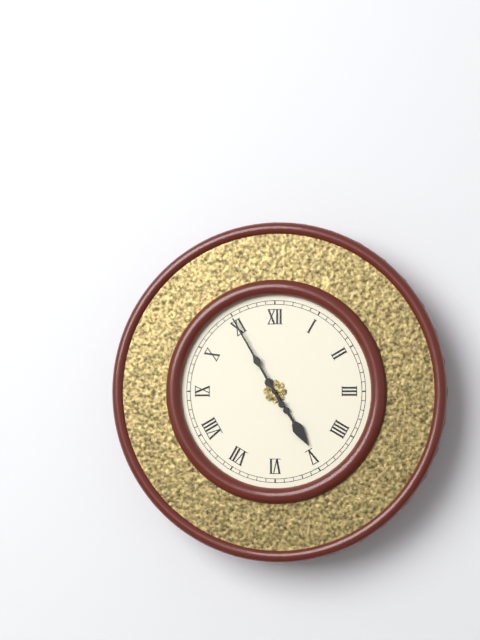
4:55
